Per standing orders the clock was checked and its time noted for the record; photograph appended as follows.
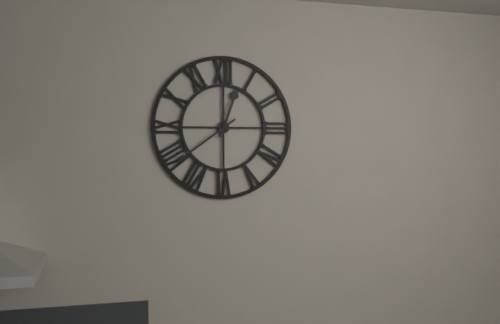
12:39
